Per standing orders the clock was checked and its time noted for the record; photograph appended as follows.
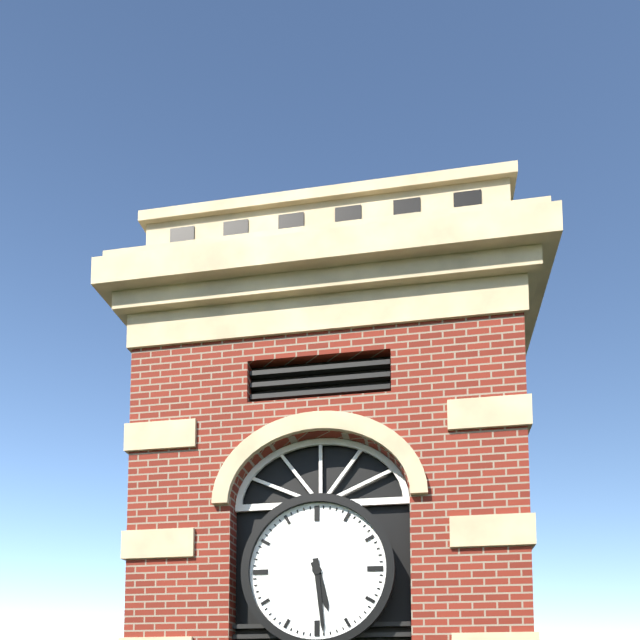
5:29
